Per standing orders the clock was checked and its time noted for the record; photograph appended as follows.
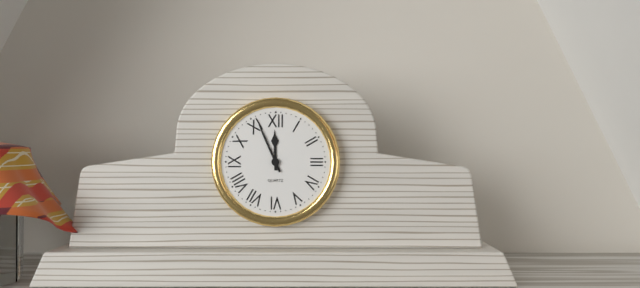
11:56
